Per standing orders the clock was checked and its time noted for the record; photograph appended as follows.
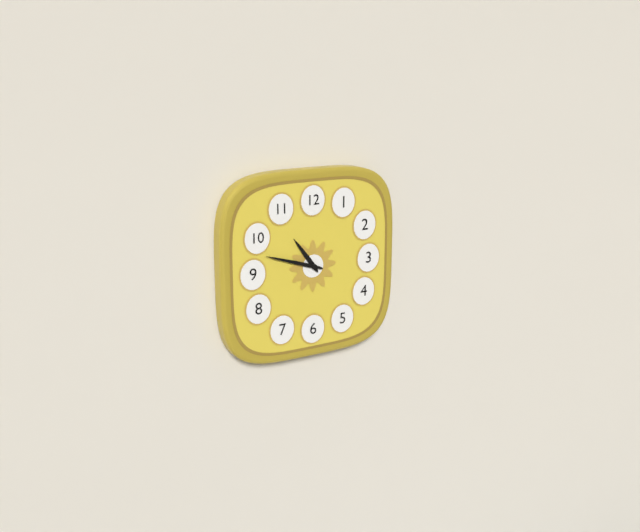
10:48
